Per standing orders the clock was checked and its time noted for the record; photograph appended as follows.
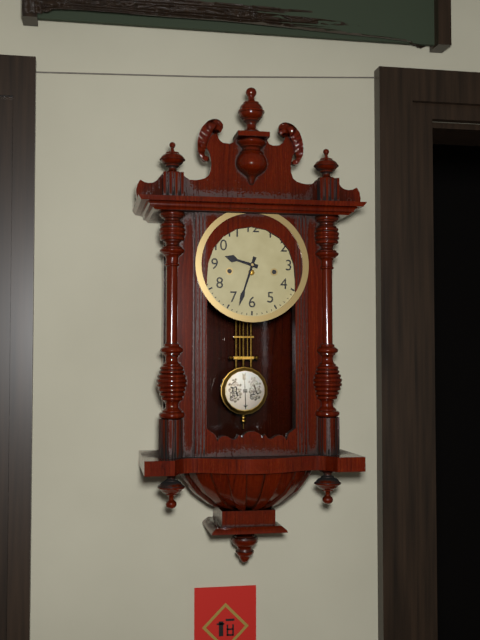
9:33
